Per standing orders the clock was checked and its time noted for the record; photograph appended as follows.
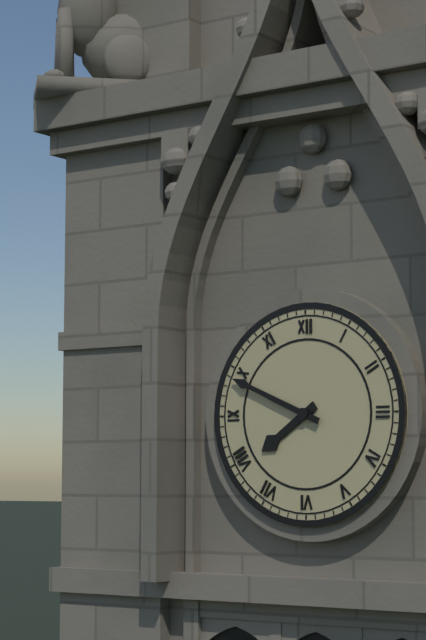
7:49
